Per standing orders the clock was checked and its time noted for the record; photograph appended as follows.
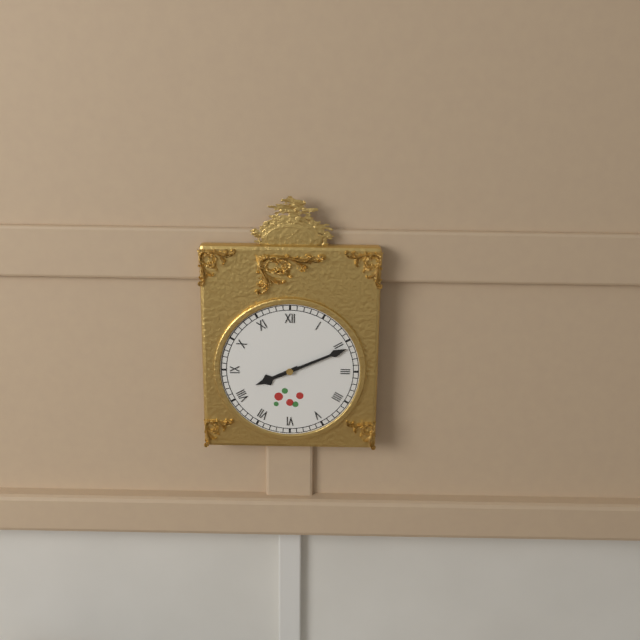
8:11
